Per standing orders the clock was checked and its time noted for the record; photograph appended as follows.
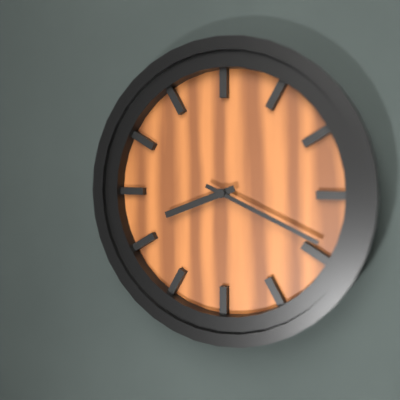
8:19
